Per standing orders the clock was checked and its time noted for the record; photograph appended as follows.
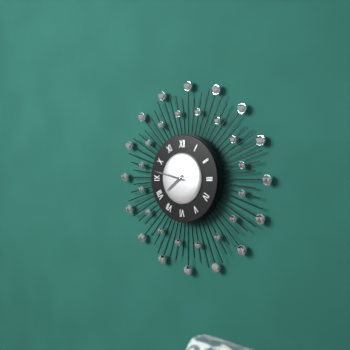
7:47
